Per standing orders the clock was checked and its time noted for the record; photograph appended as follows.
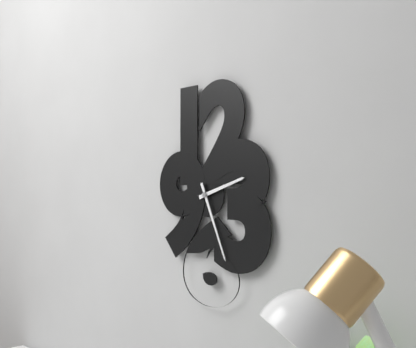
2:26
